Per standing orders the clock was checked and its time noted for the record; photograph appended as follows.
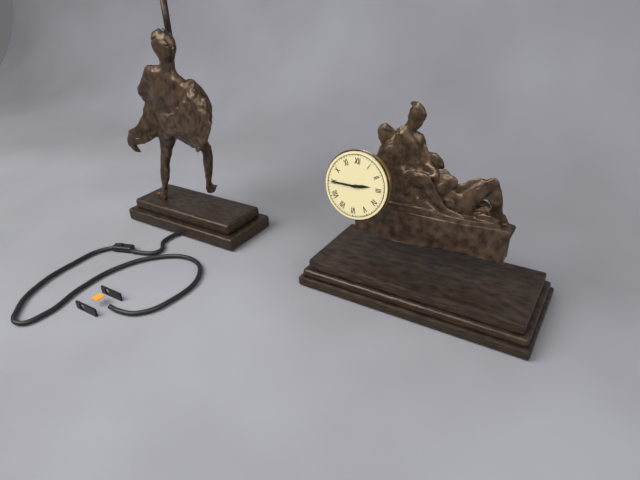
2:45
